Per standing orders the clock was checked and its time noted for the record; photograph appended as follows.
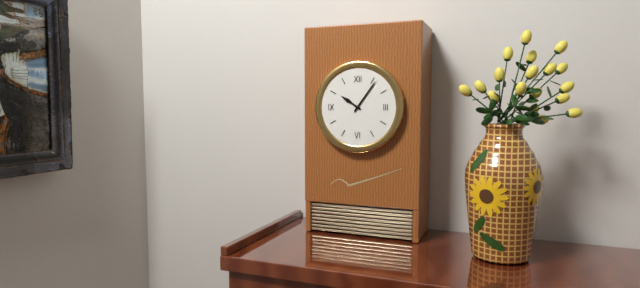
10:06
